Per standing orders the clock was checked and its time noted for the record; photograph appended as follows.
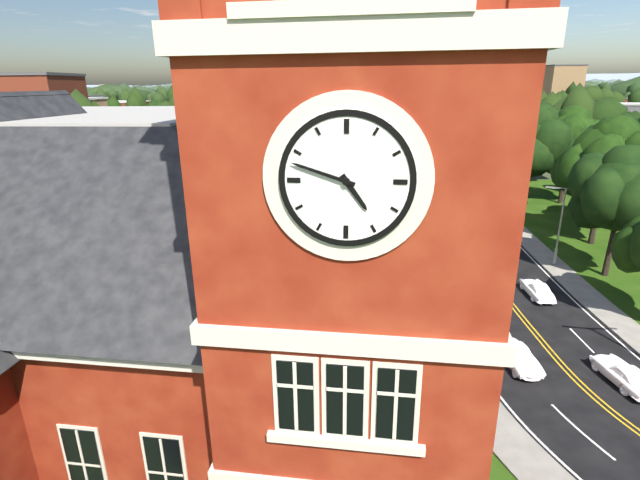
4:48
